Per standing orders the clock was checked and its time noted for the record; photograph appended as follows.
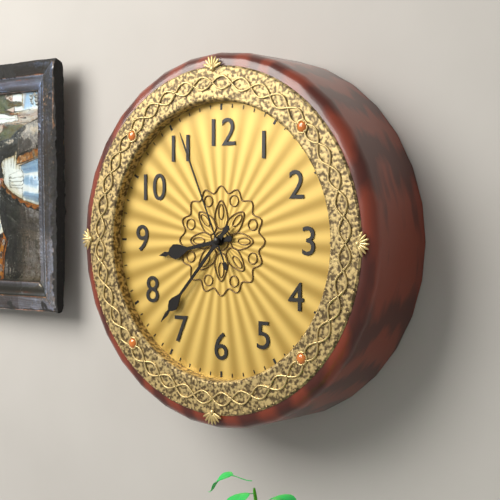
8:37:56
